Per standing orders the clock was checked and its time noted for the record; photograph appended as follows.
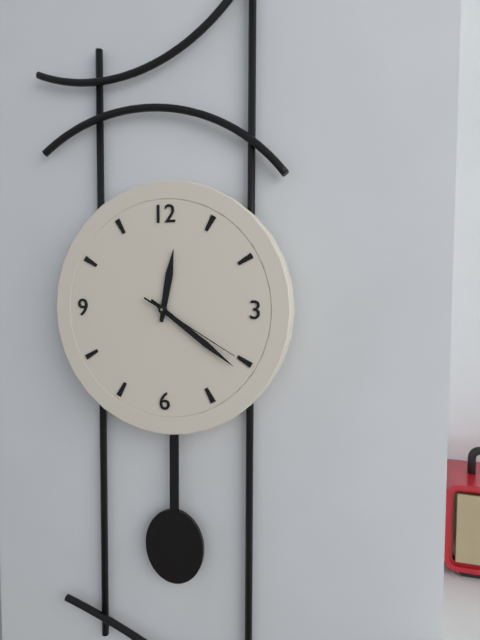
12:21:20
